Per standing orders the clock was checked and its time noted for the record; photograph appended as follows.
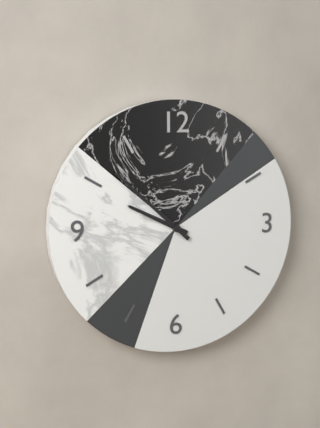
9:52
